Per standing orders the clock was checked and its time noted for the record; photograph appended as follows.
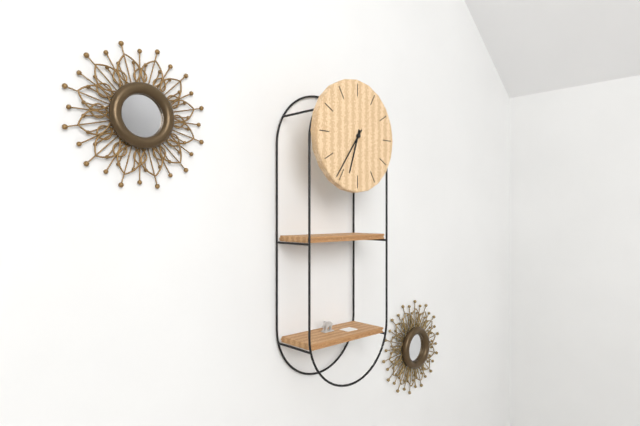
6:36
